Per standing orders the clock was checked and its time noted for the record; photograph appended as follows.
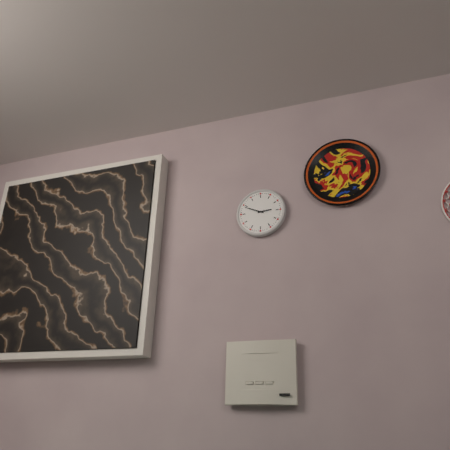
2:49
